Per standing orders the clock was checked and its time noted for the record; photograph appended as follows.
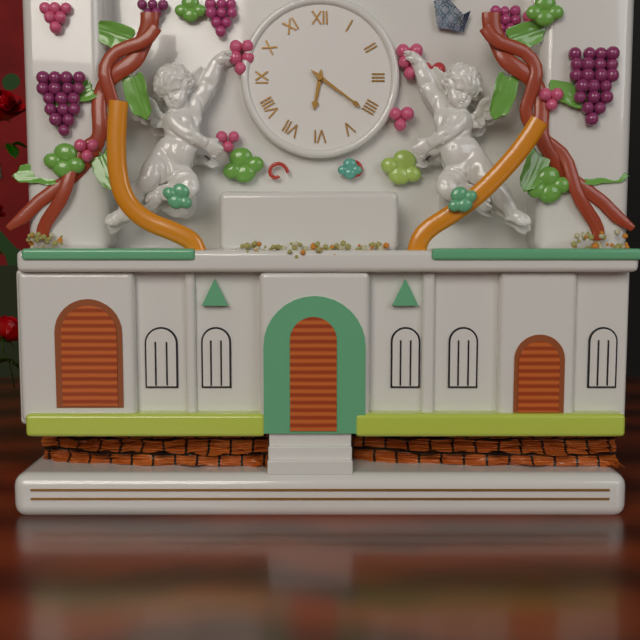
6:21
